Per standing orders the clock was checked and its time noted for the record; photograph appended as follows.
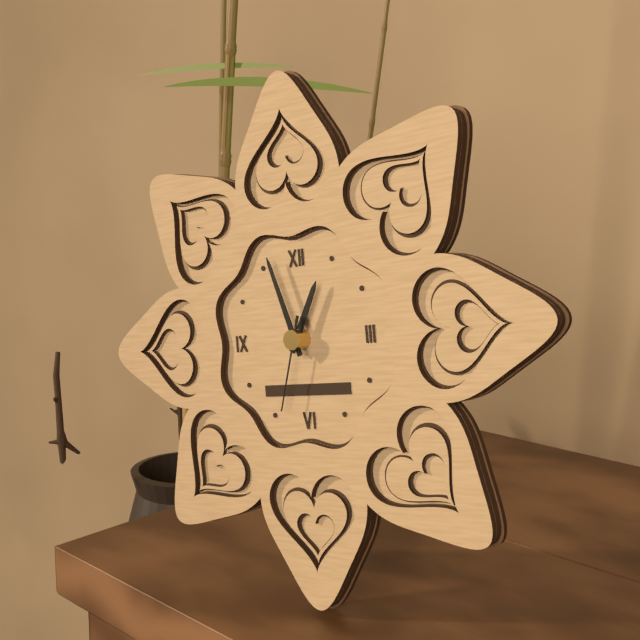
12:57:33
